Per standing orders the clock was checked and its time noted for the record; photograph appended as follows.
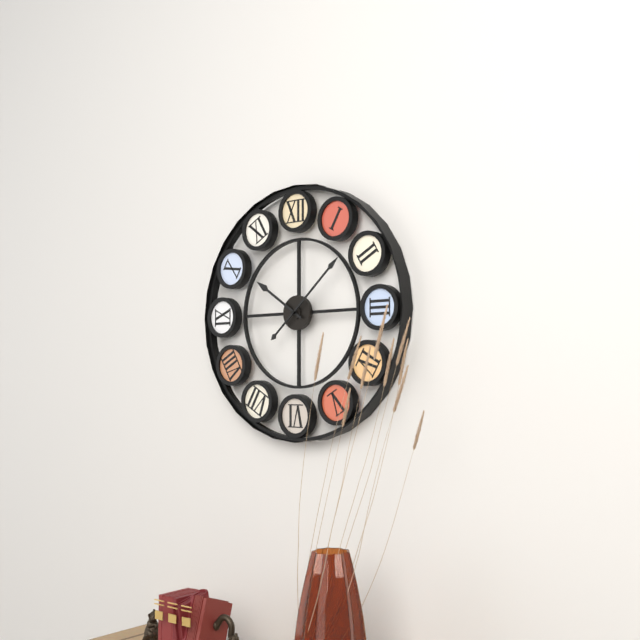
10:08
